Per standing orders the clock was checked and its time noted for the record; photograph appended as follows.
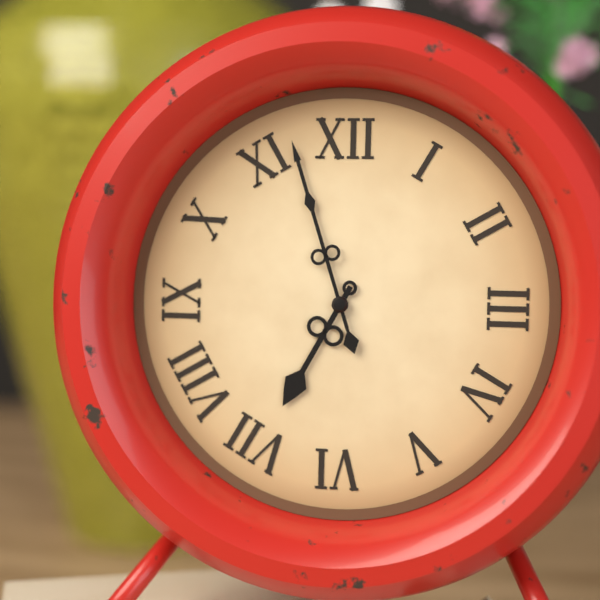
6:57
